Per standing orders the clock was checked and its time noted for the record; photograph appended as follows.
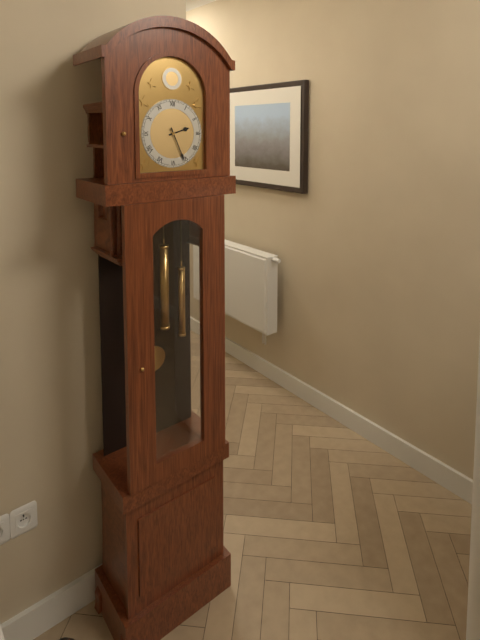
2:26
